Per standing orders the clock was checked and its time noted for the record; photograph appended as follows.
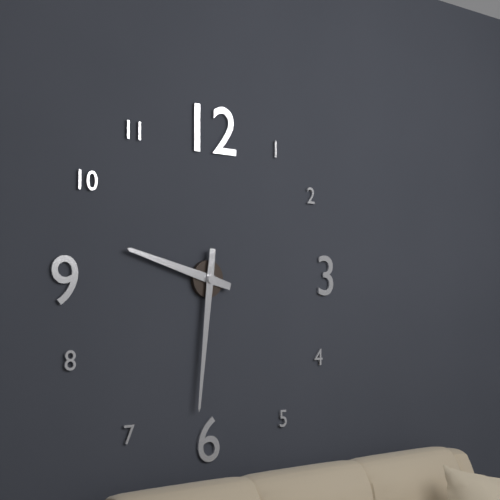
9:31
